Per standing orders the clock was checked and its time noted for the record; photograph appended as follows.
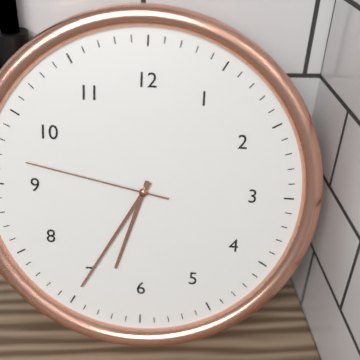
6:35:47
